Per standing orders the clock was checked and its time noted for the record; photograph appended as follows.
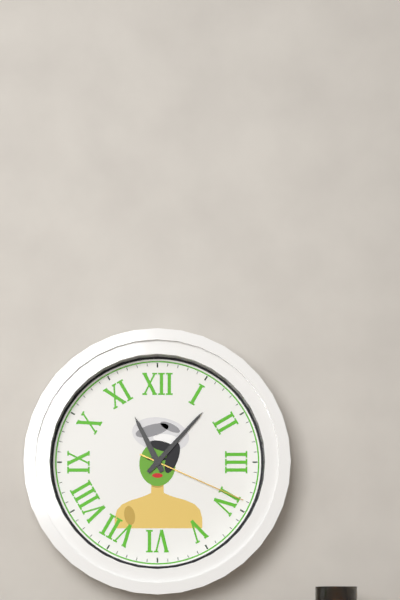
11:07:19
